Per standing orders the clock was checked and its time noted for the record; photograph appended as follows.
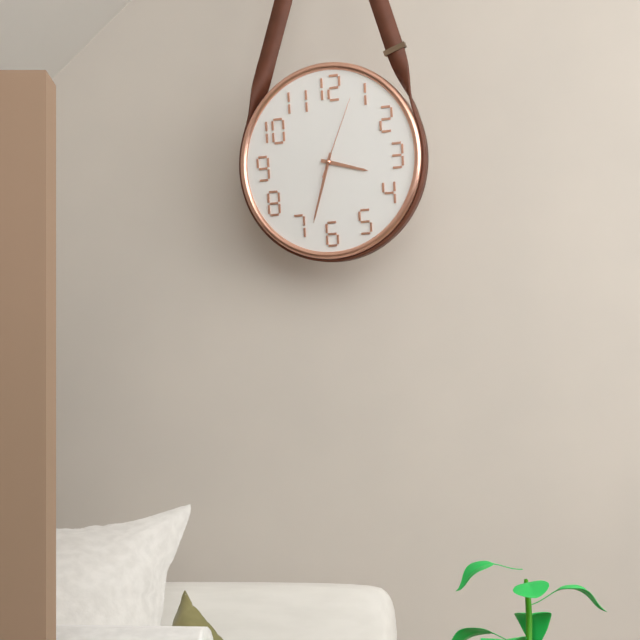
3:33:04
